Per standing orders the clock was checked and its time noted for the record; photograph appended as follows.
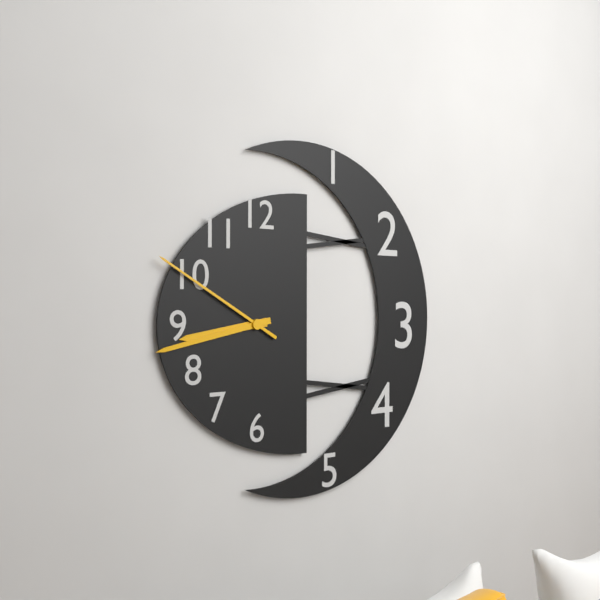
8:43:50
